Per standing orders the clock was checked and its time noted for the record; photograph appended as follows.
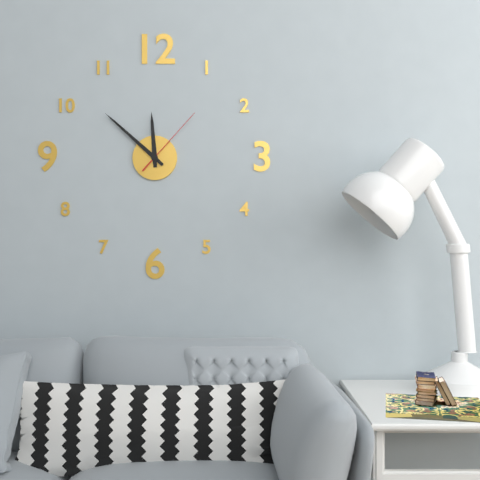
11:52:07
